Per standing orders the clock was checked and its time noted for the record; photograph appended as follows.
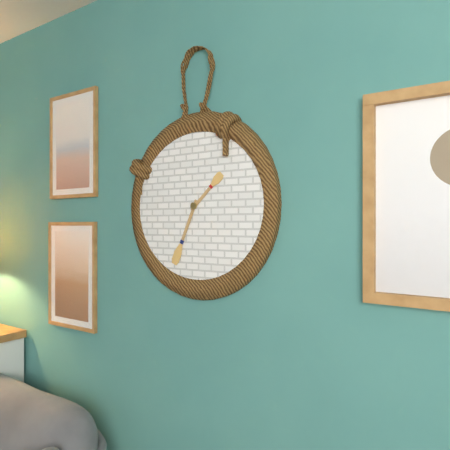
1:34
